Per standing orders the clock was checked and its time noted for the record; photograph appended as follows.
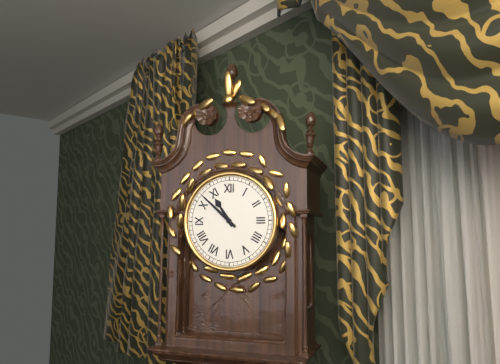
10:52
